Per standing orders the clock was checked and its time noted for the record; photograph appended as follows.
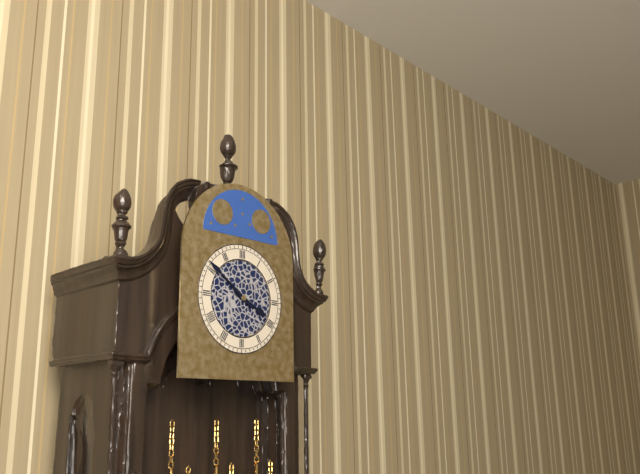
3:51
